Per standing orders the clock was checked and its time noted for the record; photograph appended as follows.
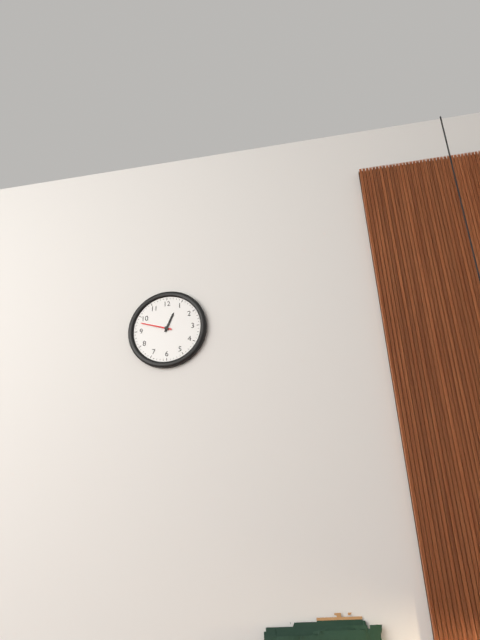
12:48
